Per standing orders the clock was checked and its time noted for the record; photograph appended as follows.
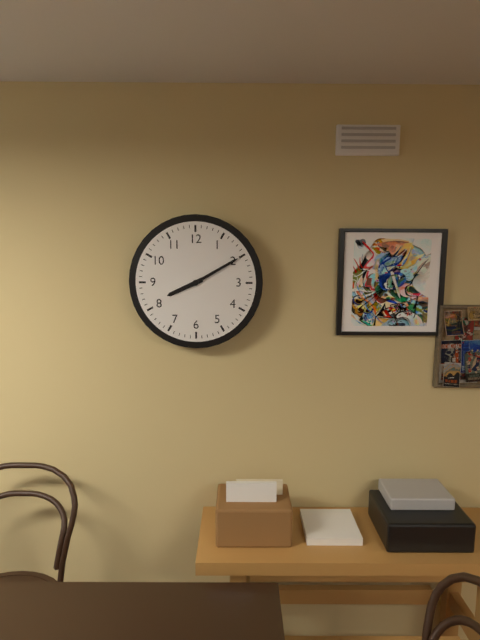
8:10
